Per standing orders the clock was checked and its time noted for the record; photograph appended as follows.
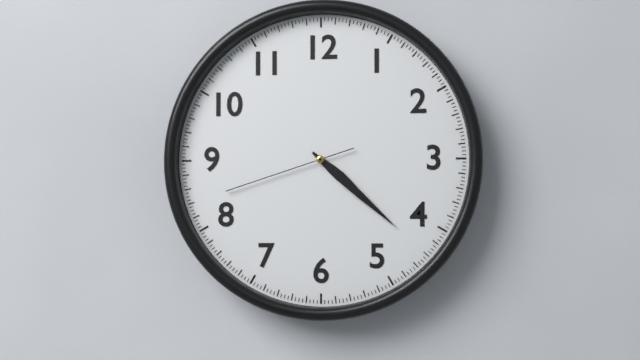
4:22:42
